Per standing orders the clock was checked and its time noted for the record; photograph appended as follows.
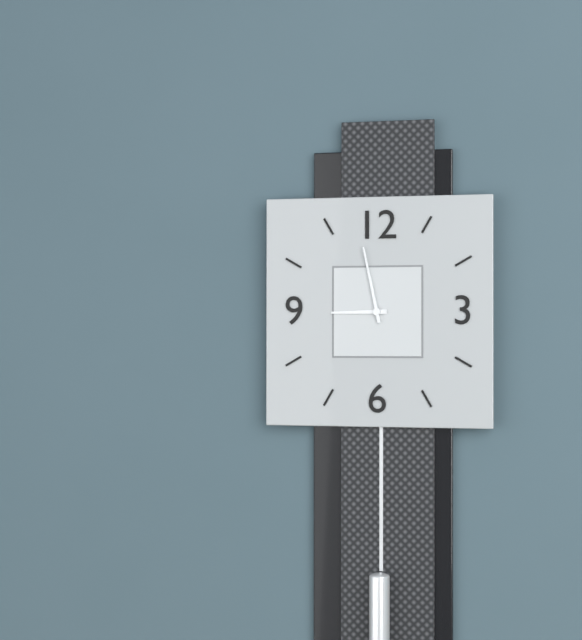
8:58
